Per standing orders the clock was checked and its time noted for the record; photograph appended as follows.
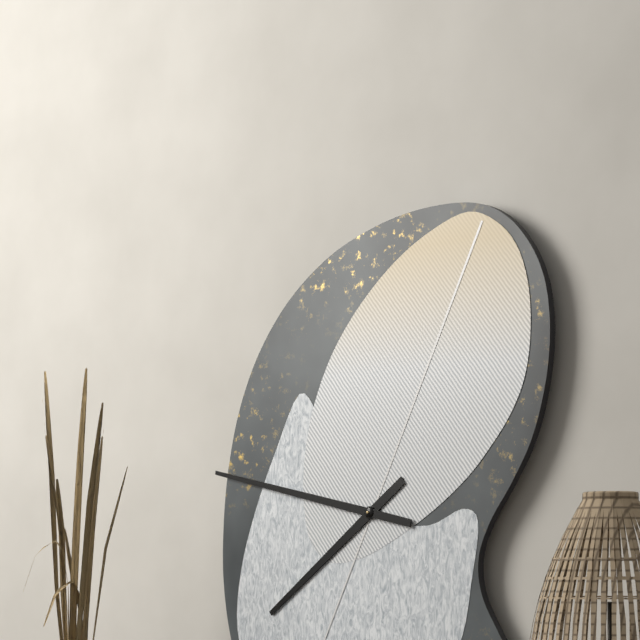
7:47
